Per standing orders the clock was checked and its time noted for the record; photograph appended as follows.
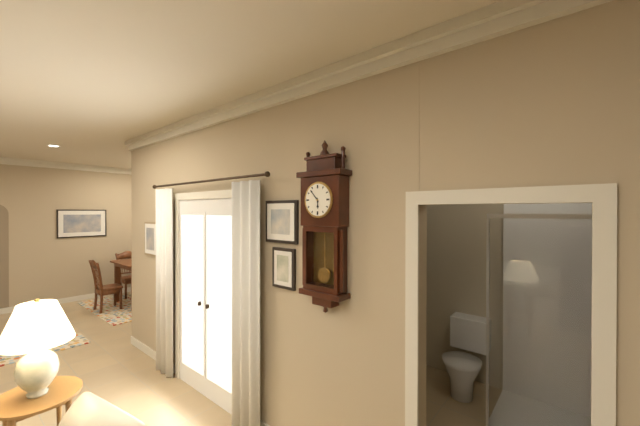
5:53
